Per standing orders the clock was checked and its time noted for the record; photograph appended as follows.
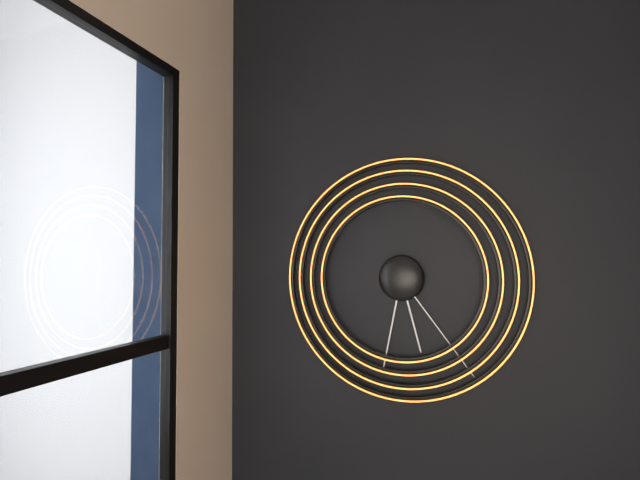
5:32:24
